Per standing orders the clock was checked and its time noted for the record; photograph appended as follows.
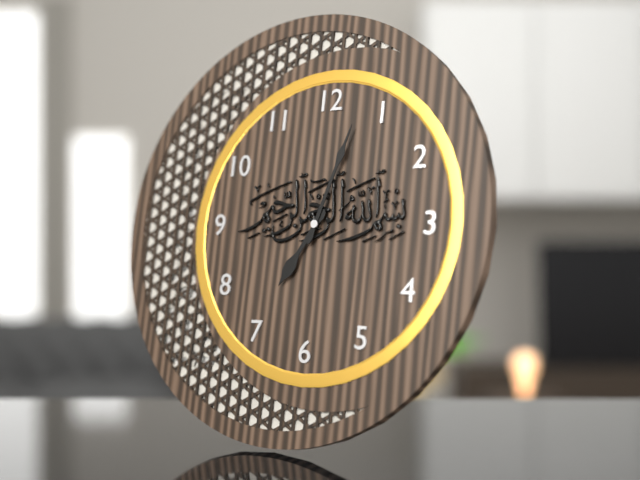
7:03
